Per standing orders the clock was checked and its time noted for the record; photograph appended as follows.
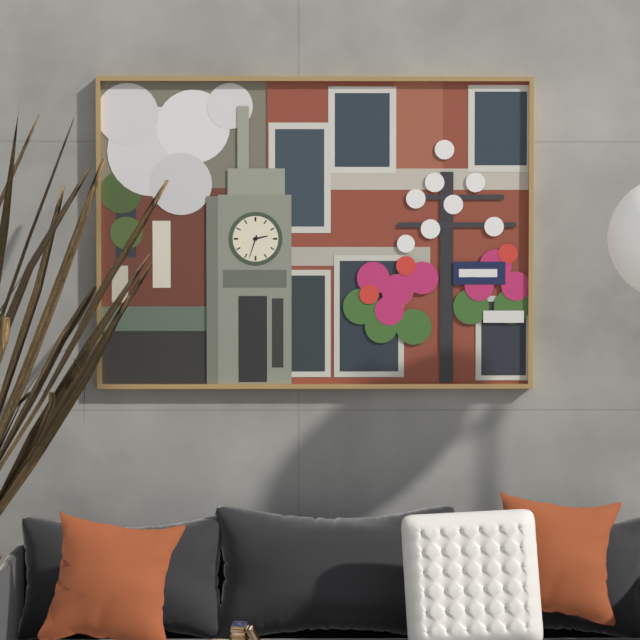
2:33
